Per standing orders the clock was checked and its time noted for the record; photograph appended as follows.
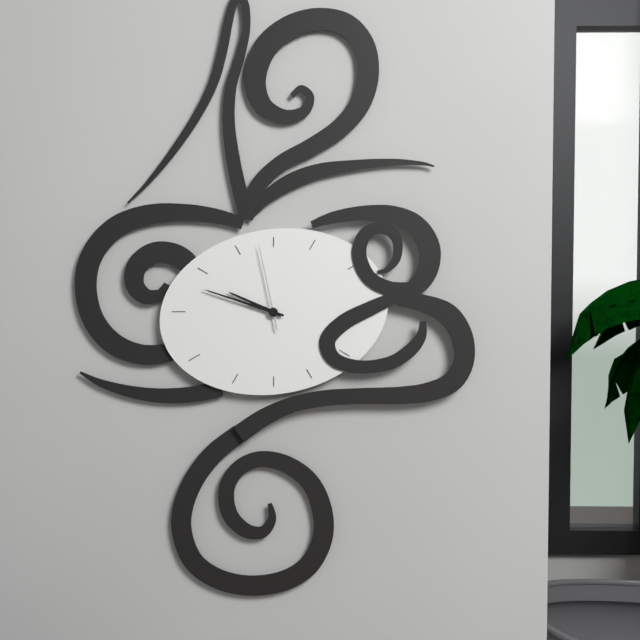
9:48:58
